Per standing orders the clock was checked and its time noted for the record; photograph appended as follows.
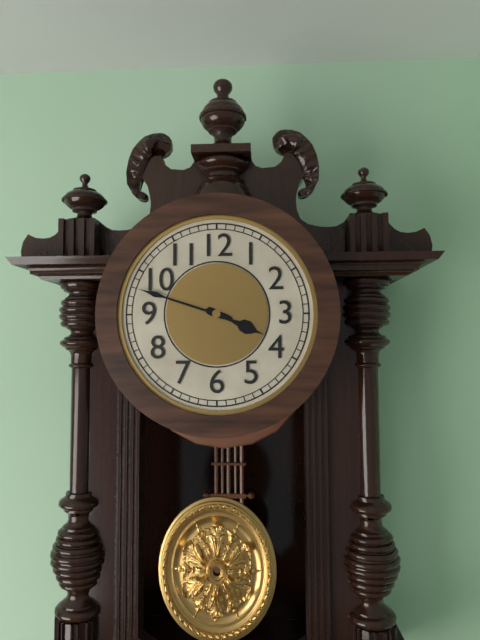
3:48
